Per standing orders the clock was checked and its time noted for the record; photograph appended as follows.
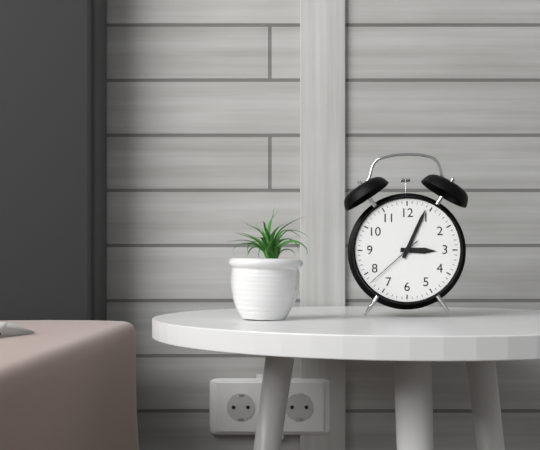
3:04:38
